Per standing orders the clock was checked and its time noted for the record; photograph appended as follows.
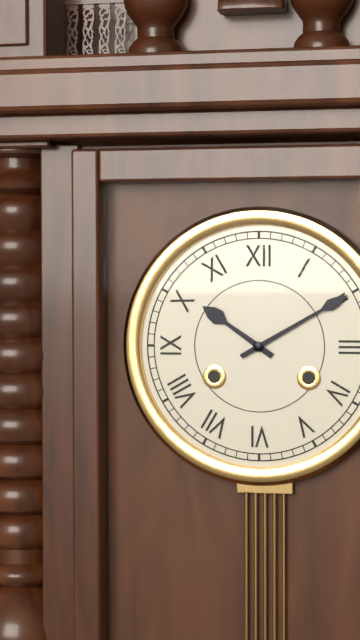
10:10
